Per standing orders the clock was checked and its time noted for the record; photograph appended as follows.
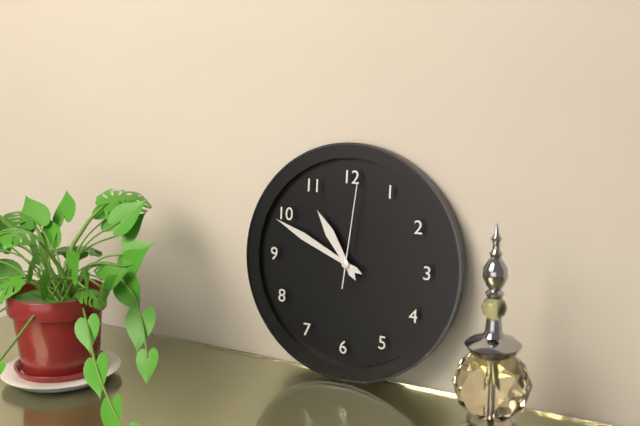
10:49:01
